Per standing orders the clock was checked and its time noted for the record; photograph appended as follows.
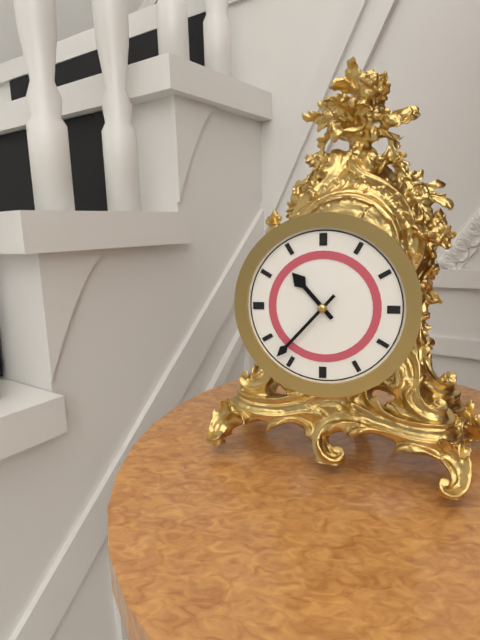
10:37
